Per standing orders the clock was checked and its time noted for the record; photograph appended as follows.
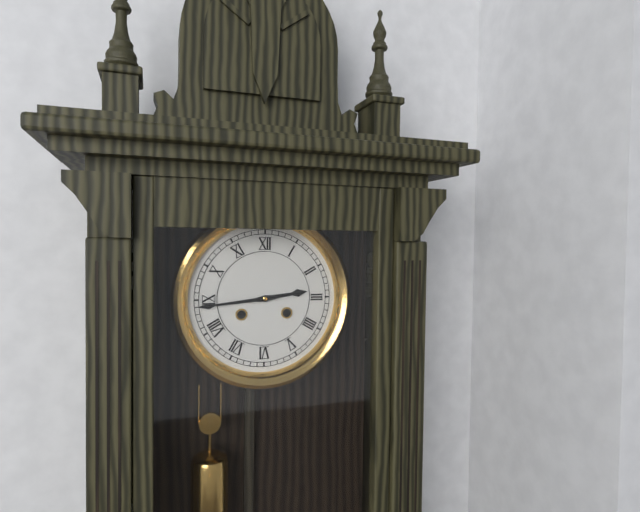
2:44
